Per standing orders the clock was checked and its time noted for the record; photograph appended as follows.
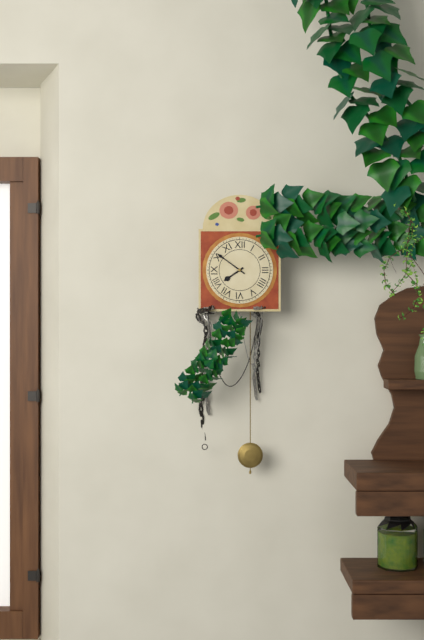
7:51
